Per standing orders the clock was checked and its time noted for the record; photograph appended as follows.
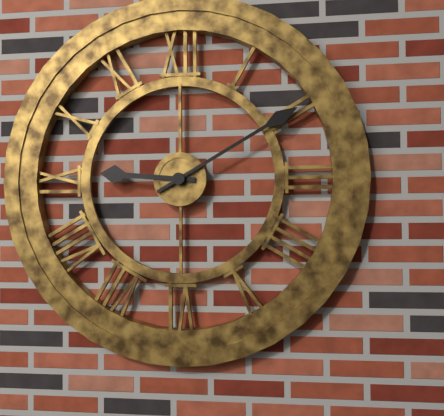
9:10
